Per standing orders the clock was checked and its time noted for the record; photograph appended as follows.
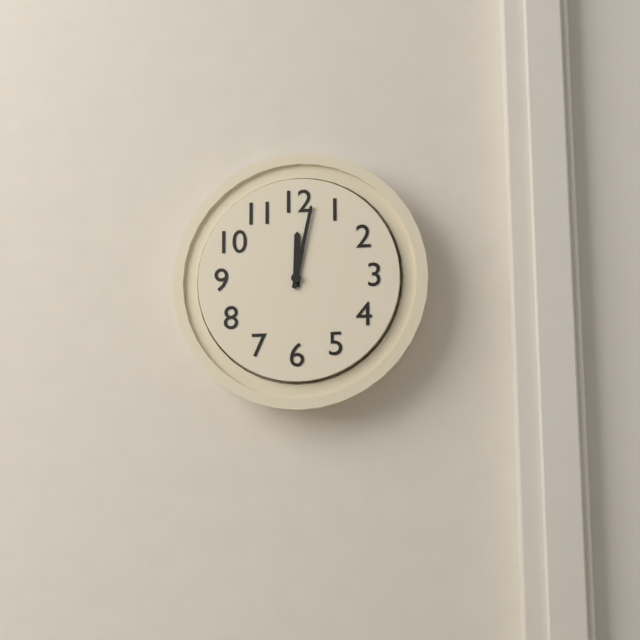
12:02
